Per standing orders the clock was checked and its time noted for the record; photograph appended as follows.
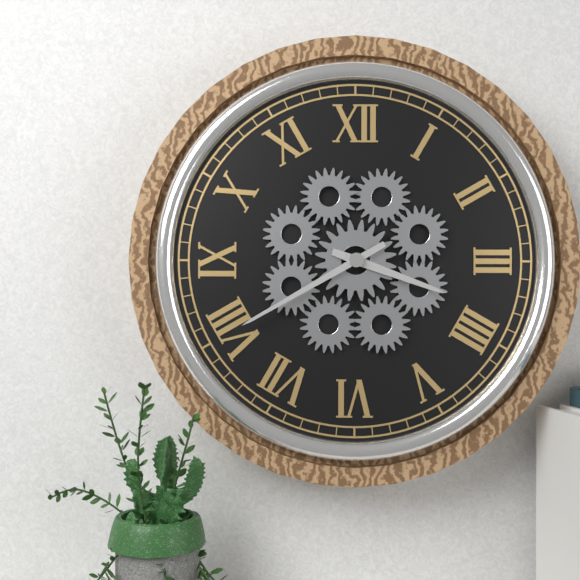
3:40
